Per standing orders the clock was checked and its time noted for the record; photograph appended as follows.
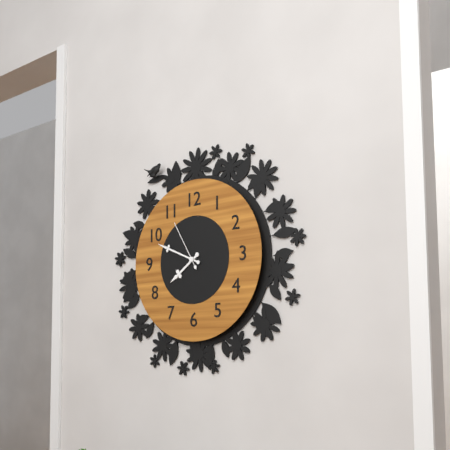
7:49:55
